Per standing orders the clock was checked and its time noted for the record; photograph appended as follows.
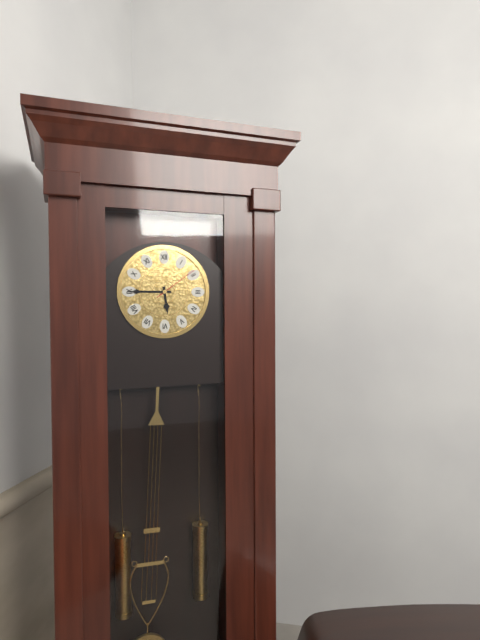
5:45
